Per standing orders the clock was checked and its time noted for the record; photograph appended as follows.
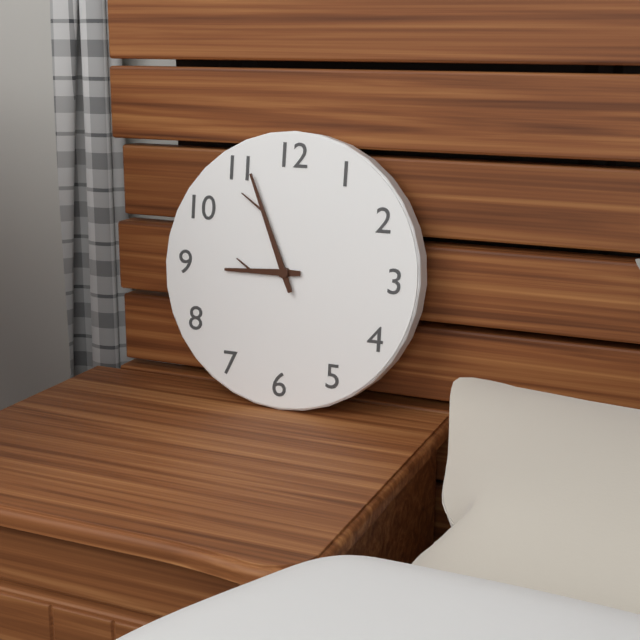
8:56
